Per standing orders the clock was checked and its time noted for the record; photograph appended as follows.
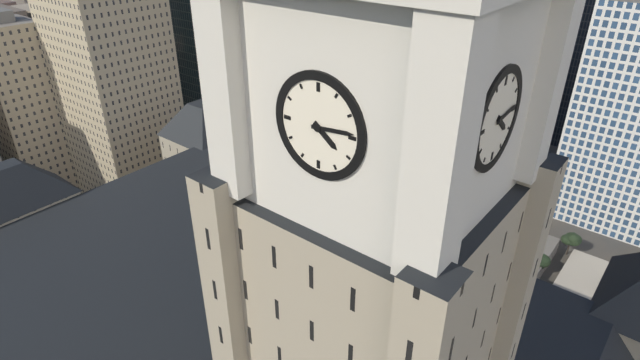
4:14
